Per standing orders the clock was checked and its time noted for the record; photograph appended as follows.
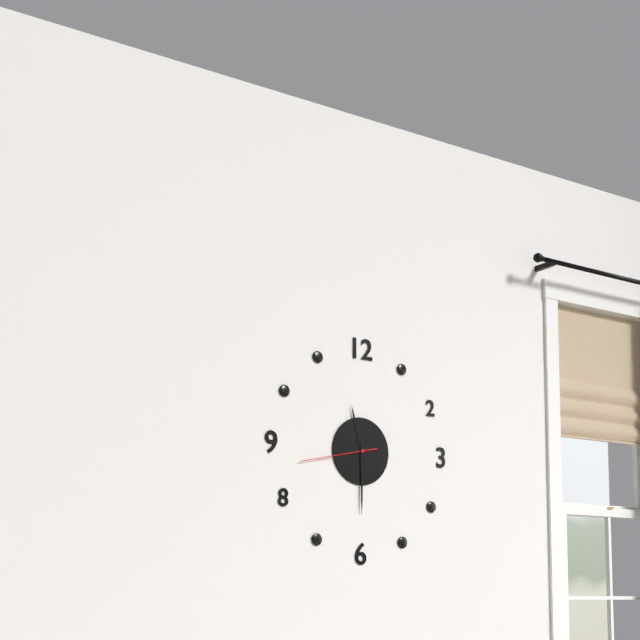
11:30:43
